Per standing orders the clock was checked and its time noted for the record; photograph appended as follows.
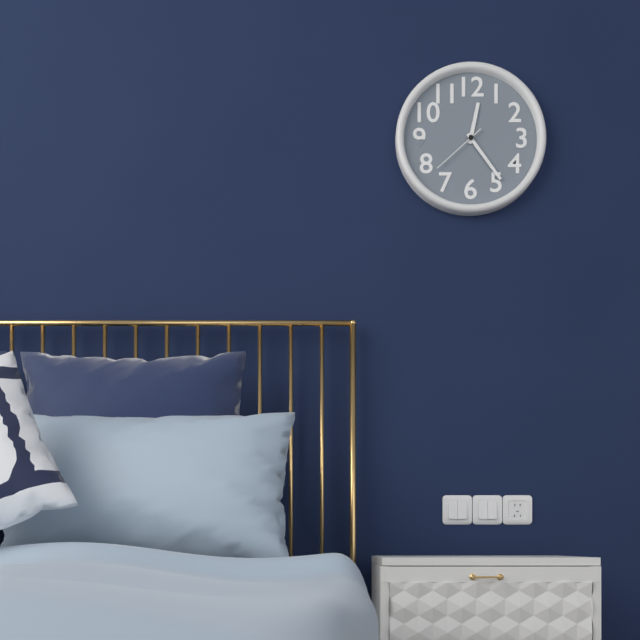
12:24:38
